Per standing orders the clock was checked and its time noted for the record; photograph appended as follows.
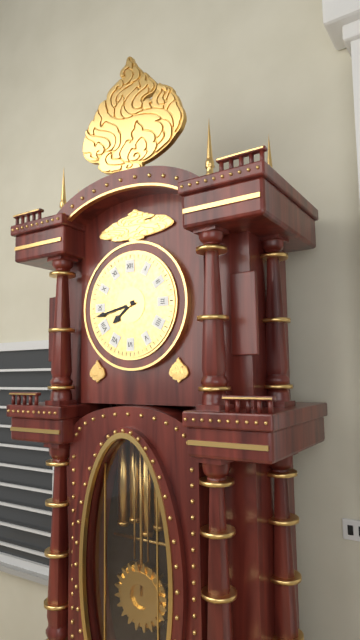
7:43
